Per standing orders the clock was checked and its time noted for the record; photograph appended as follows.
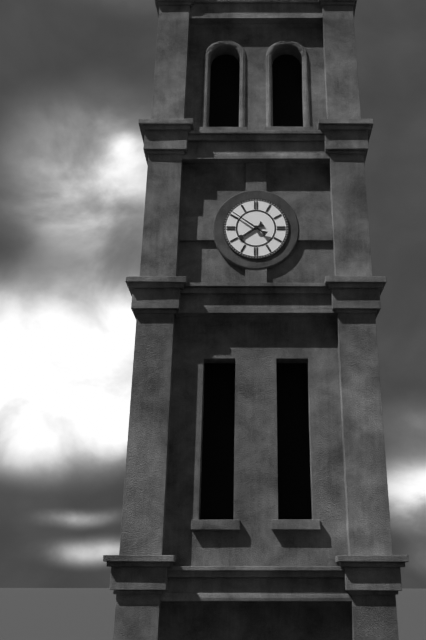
7:51
